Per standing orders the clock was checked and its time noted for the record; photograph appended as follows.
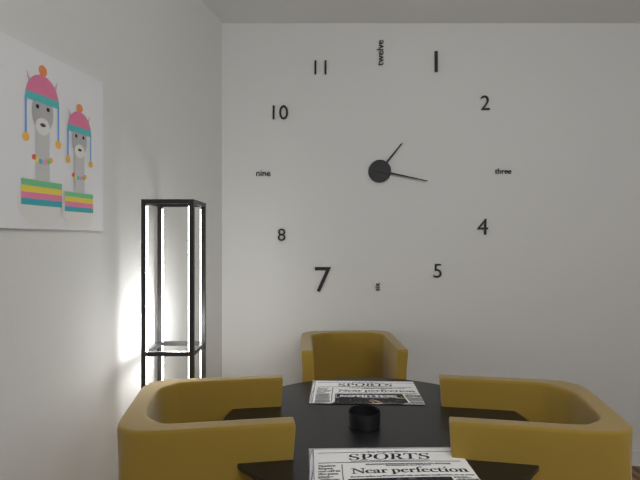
1:17
